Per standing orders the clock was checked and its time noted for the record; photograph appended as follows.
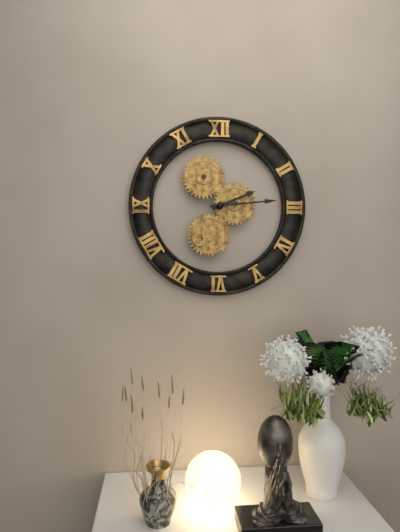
2:14
